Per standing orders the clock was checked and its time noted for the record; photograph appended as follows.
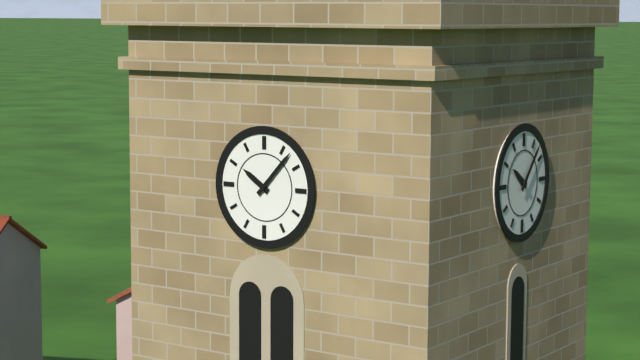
10:07
